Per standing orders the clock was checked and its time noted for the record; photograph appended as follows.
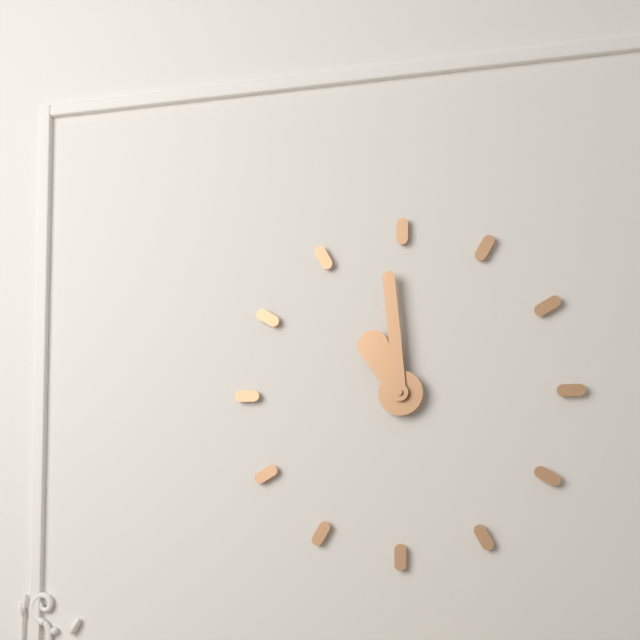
10:59
